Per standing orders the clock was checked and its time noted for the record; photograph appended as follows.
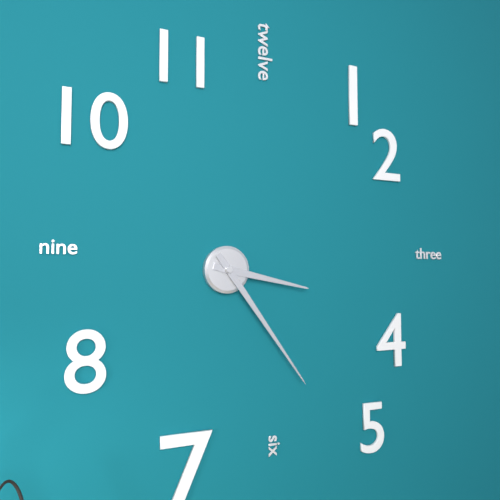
3:24
